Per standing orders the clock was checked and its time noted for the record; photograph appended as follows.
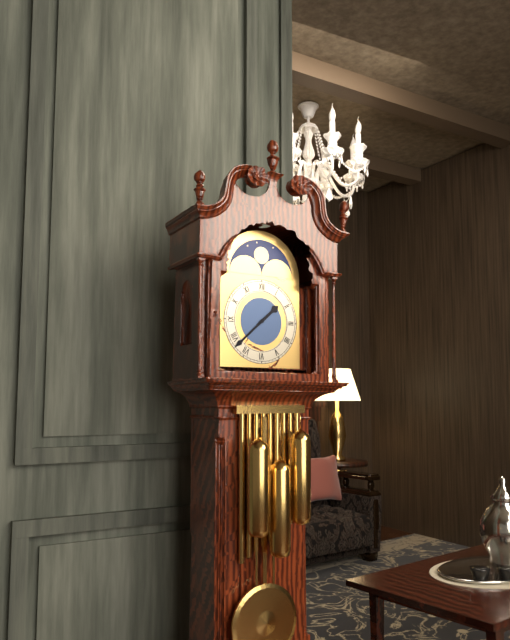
1:38
